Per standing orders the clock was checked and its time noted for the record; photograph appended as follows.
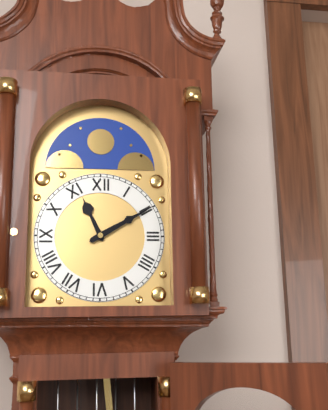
11:10
